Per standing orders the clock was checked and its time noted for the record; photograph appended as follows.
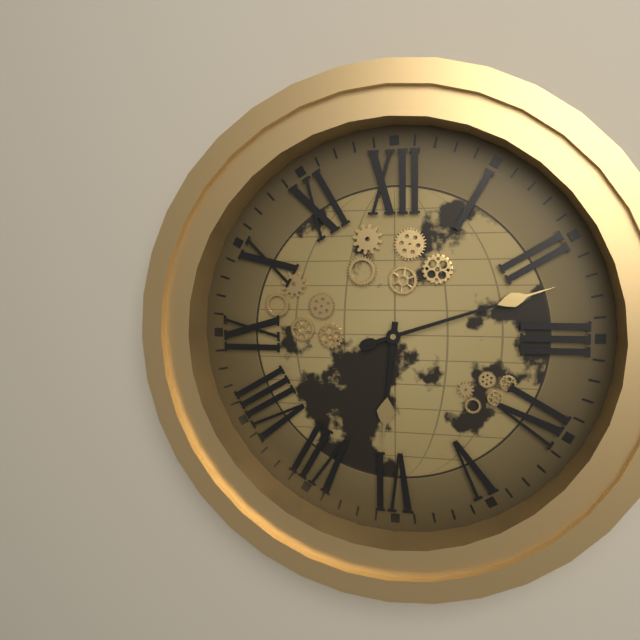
6:12
